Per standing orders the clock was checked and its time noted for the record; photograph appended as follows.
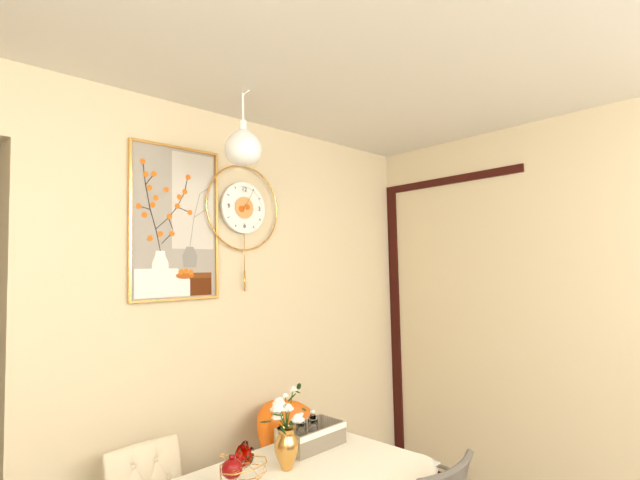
1:05
